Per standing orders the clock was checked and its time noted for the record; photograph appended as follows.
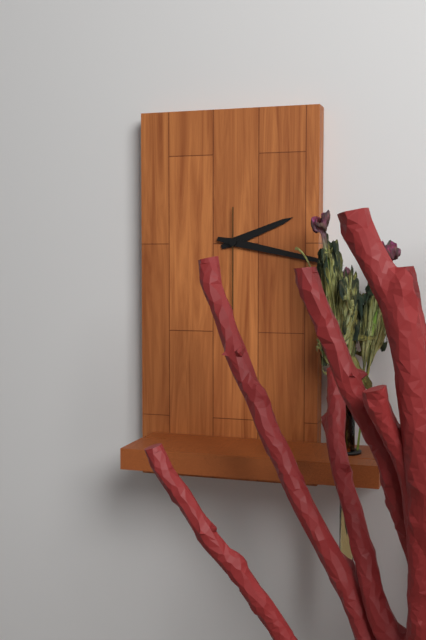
2:17
